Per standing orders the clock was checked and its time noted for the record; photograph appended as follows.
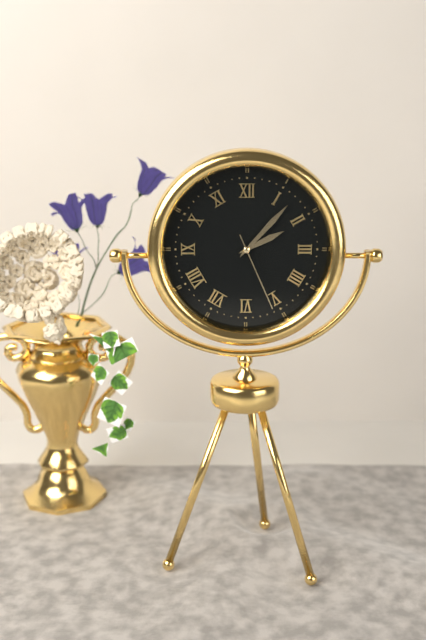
2:07:26
